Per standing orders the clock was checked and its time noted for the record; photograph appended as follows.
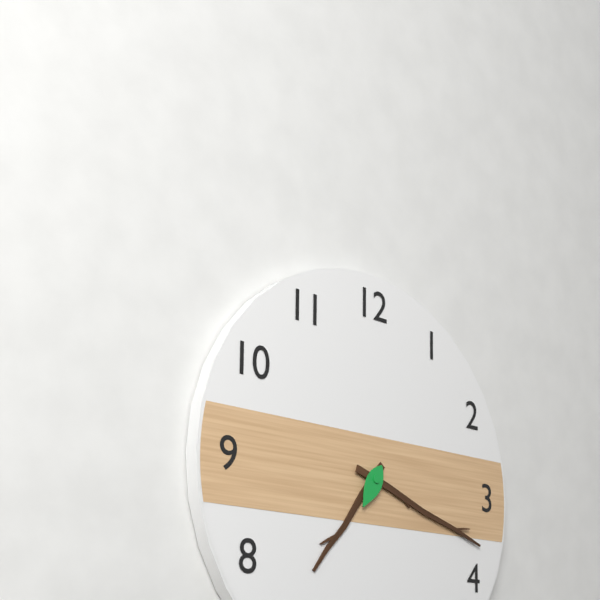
7:18
